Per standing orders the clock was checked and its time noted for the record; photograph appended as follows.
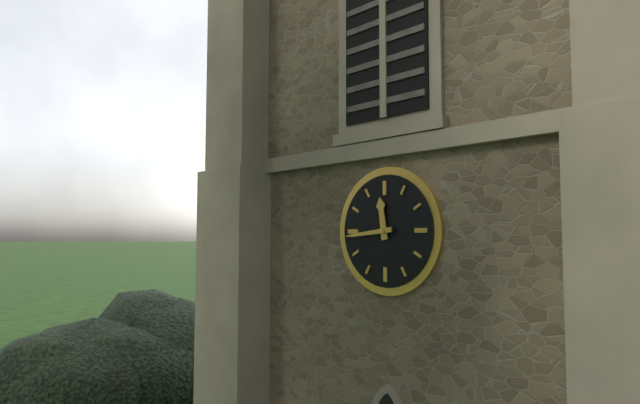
11:44
